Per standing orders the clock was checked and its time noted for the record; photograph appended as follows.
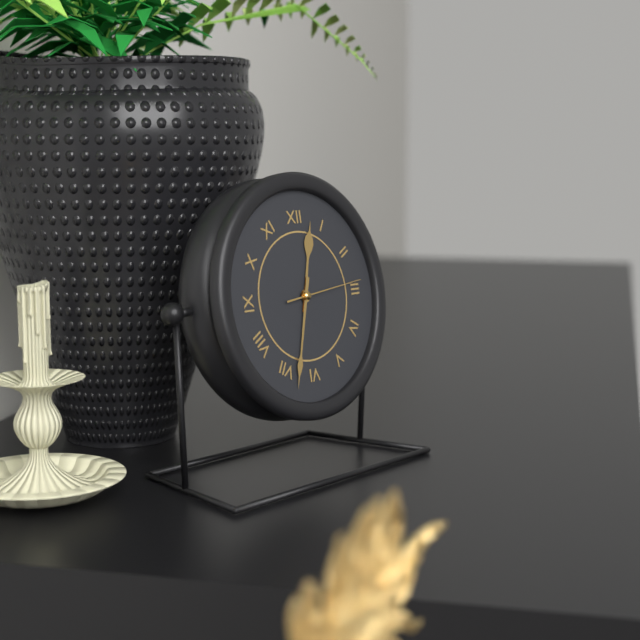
12:33:14
